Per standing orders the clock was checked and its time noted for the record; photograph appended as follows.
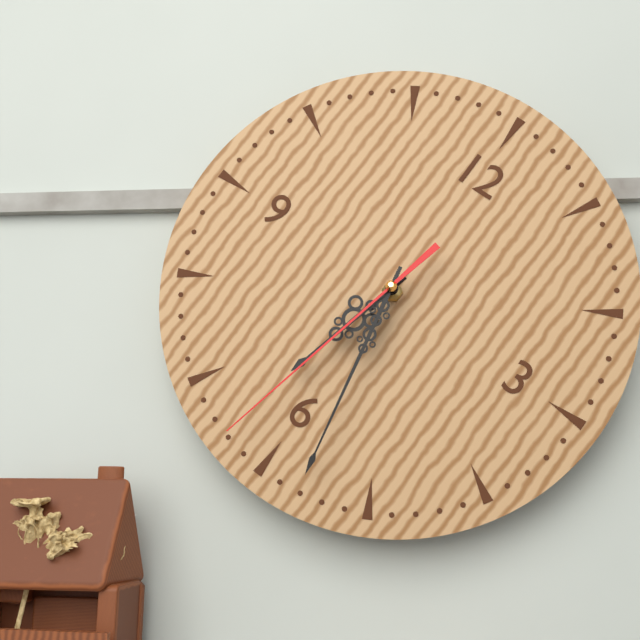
6:28:32
